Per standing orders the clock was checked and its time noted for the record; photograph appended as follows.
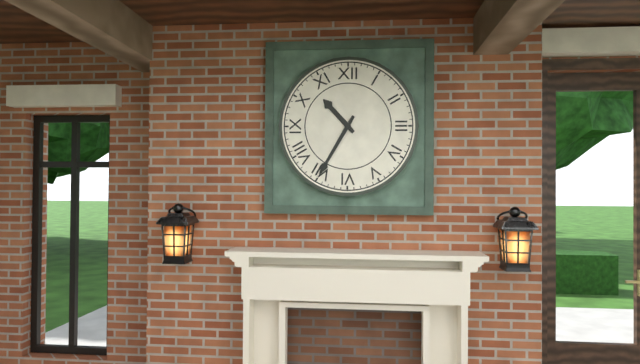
10:35
